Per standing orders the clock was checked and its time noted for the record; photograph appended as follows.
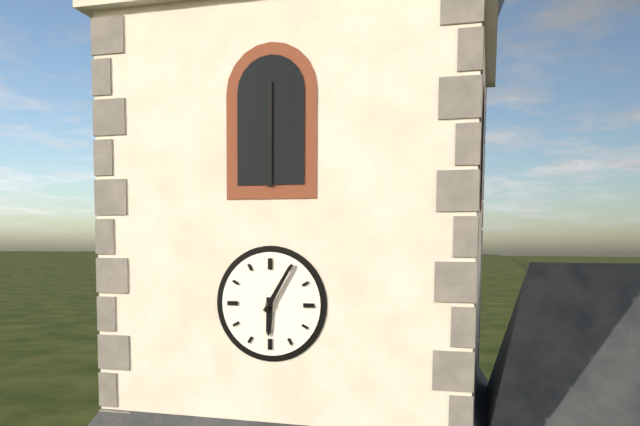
6:05
